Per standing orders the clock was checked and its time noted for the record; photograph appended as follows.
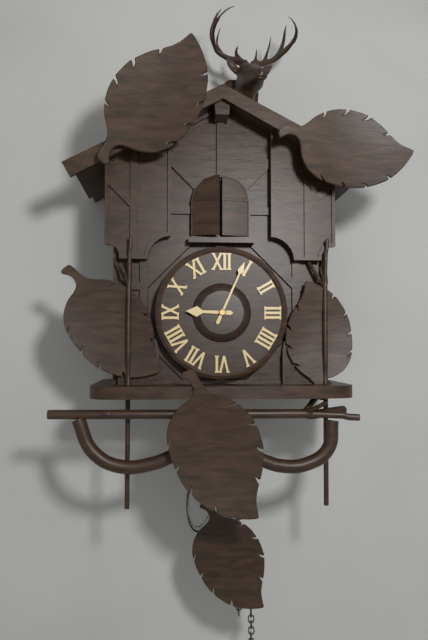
9:04
